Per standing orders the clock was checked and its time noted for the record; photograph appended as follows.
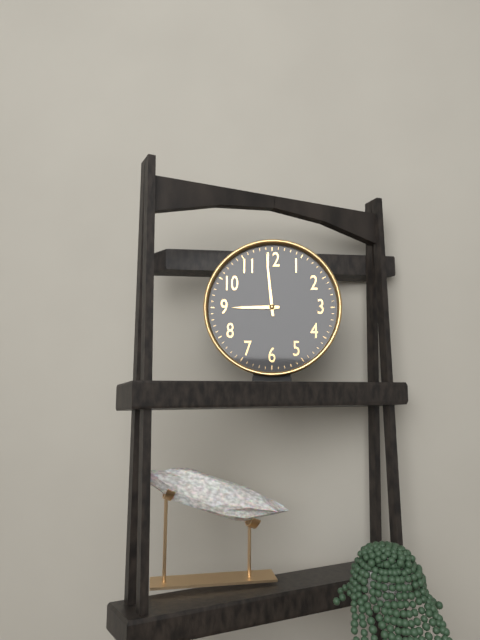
8:59
